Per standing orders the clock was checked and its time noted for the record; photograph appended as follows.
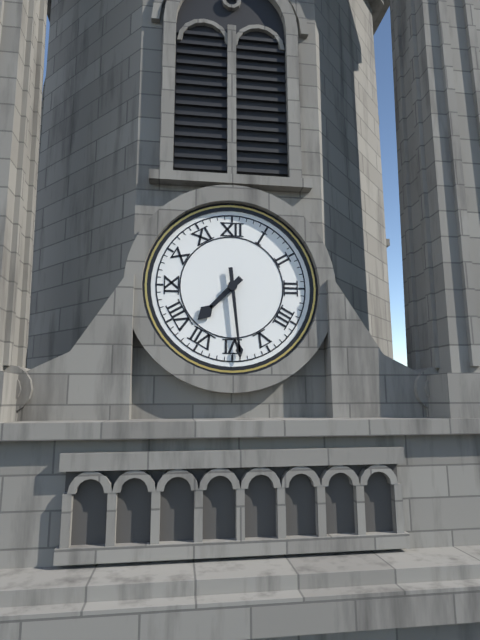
7:29
